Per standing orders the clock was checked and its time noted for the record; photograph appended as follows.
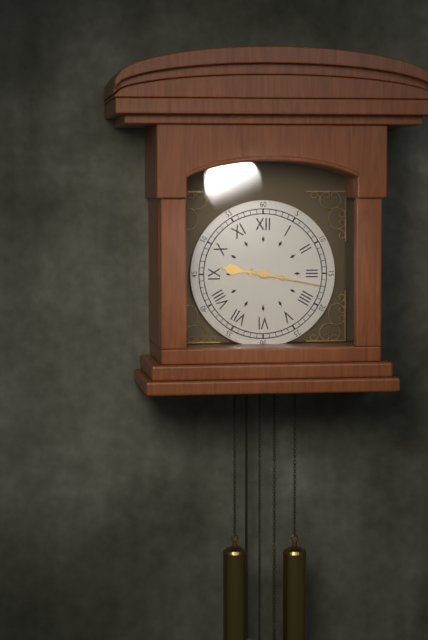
9:17
